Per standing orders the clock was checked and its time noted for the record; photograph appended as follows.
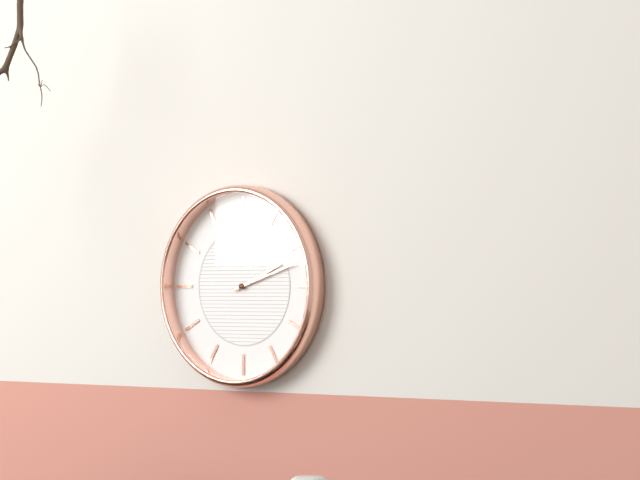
2:12
